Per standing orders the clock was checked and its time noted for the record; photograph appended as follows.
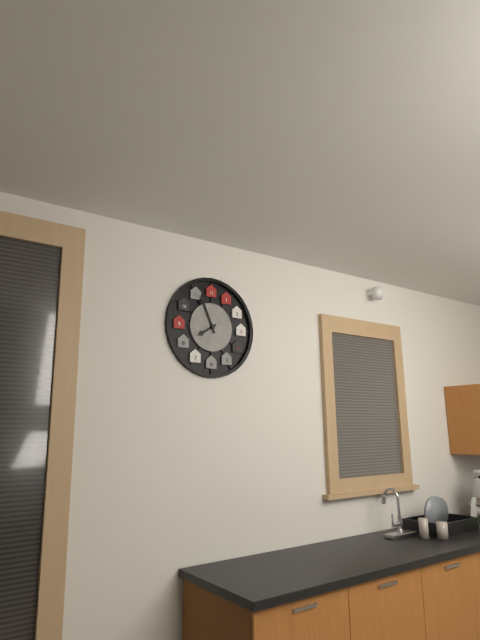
7:56
